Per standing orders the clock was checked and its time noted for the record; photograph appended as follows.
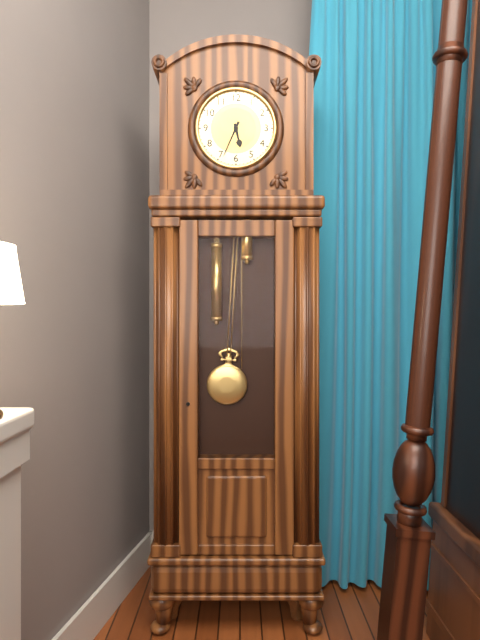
5:34
